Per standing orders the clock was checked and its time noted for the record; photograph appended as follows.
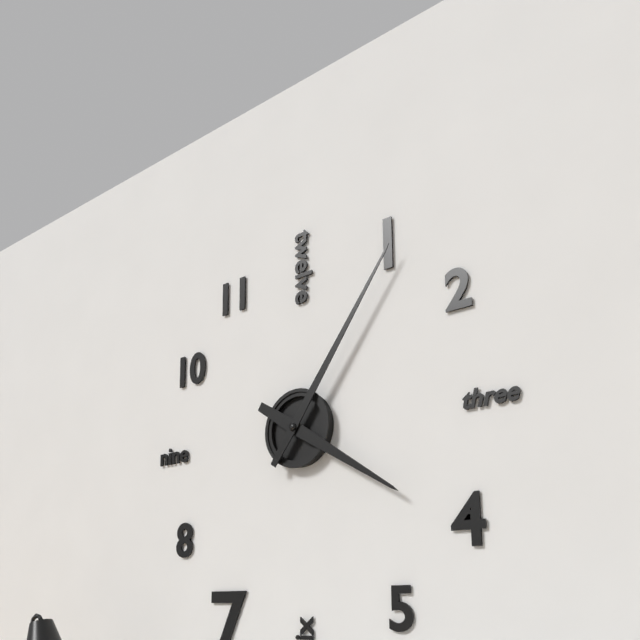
4:06
